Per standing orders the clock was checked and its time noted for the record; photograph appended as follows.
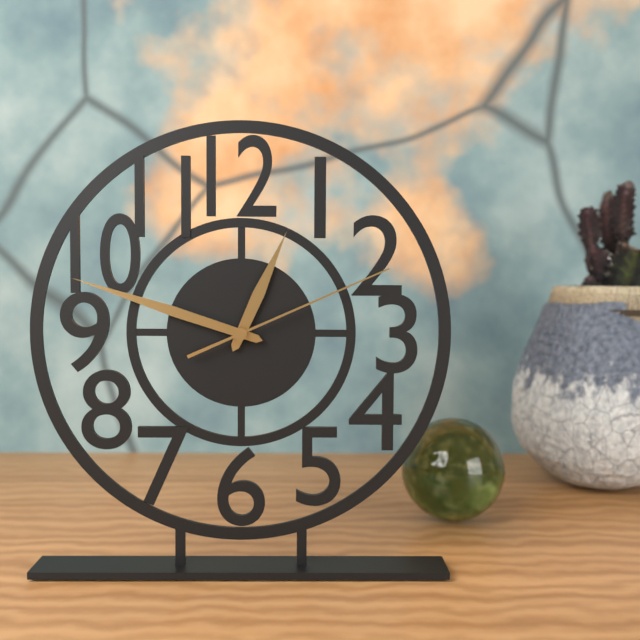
12:48:11
